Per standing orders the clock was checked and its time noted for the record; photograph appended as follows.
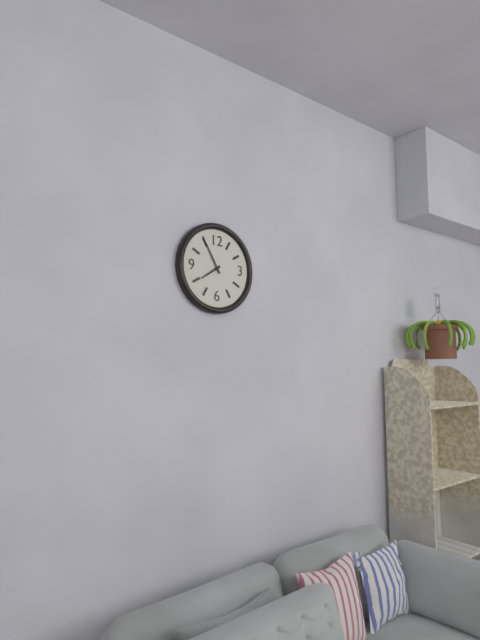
7:55
